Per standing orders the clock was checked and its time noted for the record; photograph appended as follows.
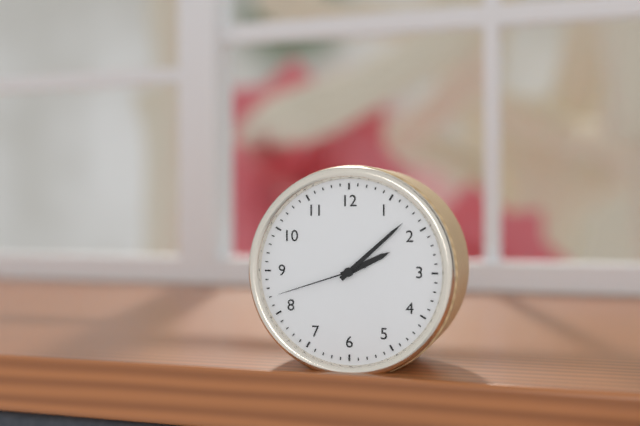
2:08:42
